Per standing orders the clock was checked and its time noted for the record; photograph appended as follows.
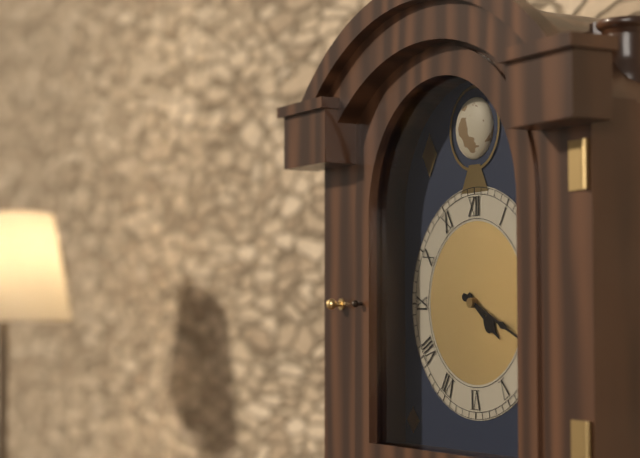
4:19
